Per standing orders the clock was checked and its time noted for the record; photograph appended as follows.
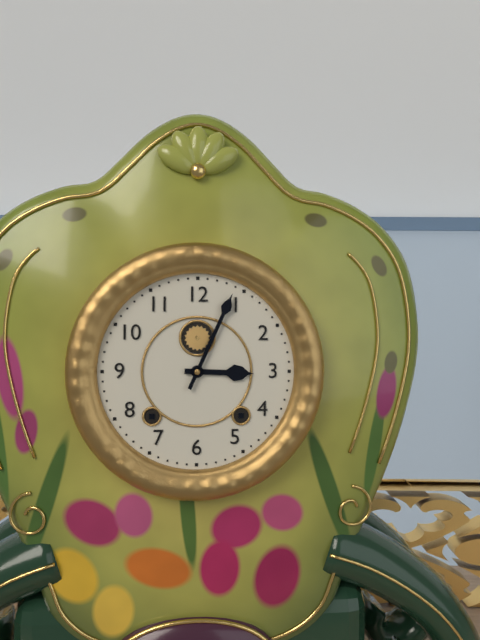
3:04
